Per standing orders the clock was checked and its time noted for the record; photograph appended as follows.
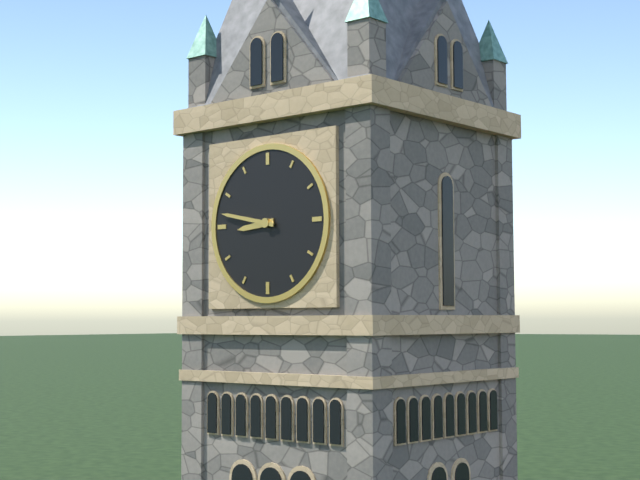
8:47
